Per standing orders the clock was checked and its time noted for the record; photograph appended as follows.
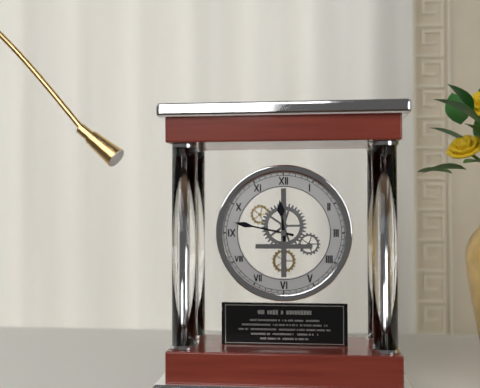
11:47
